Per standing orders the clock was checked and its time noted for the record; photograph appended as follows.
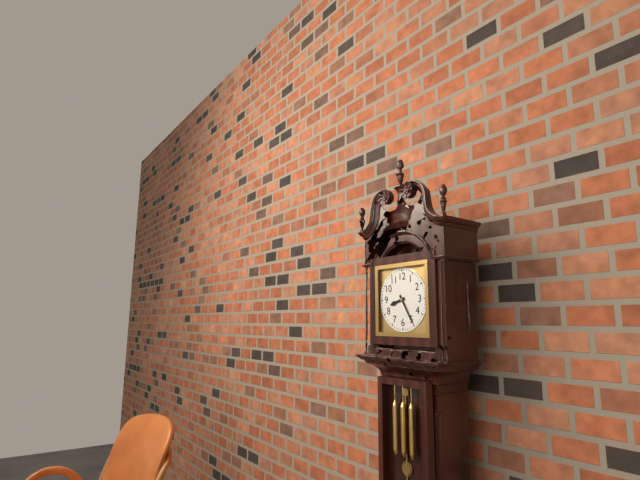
8:25
